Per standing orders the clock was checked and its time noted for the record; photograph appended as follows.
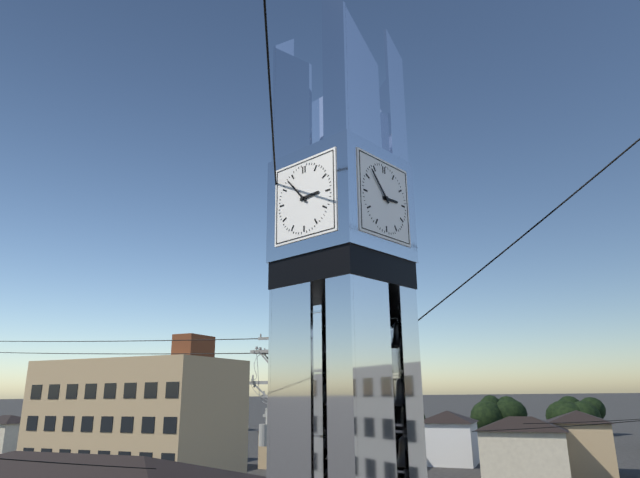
2:53
